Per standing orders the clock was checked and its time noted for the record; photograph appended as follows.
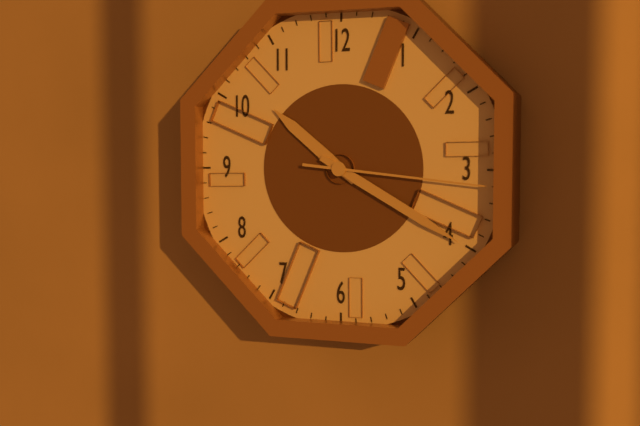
10:20:16
